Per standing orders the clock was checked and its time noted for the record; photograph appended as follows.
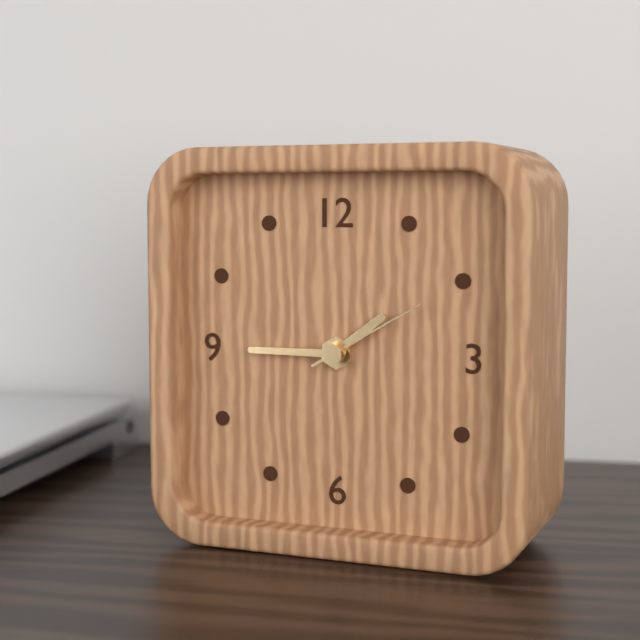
1:45:10
